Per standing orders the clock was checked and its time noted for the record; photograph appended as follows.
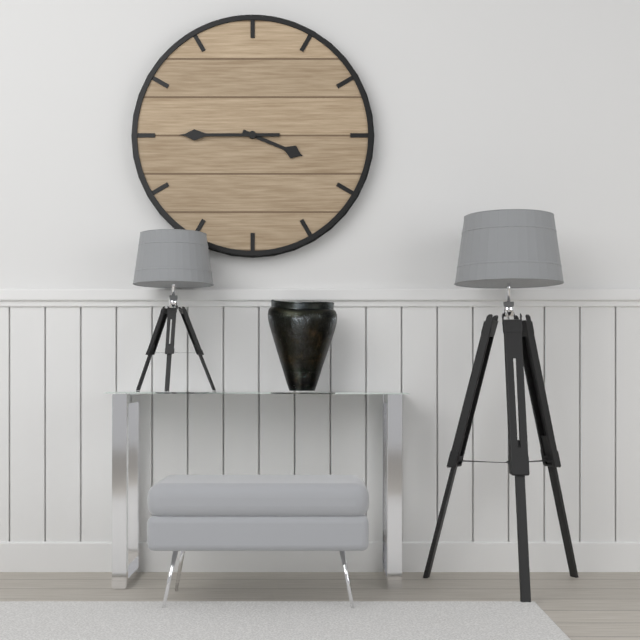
3:45
